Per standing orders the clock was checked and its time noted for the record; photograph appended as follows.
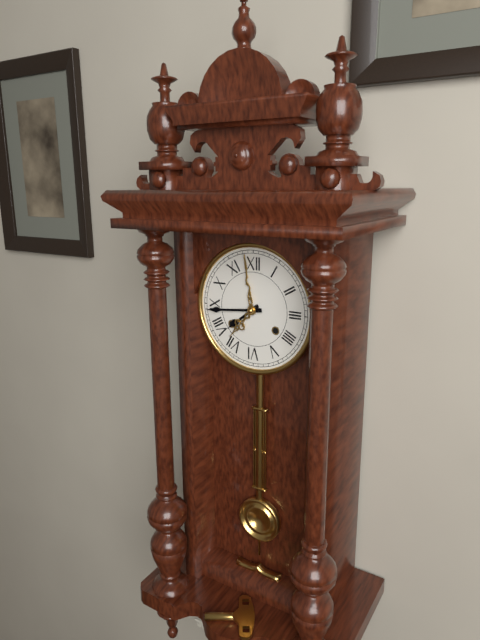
7:44
